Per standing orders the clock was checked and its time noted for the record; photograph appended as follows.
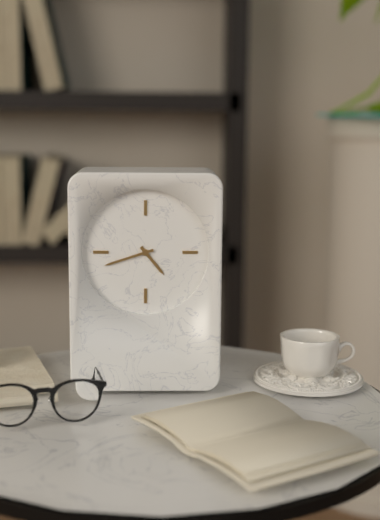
4:42
